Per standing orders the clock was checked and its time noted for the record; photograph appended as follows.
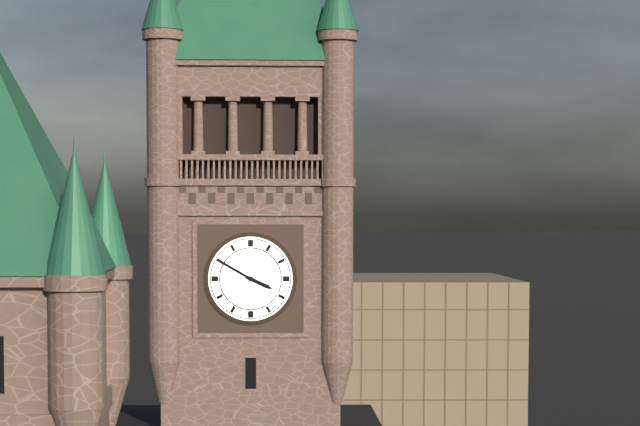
3:50
